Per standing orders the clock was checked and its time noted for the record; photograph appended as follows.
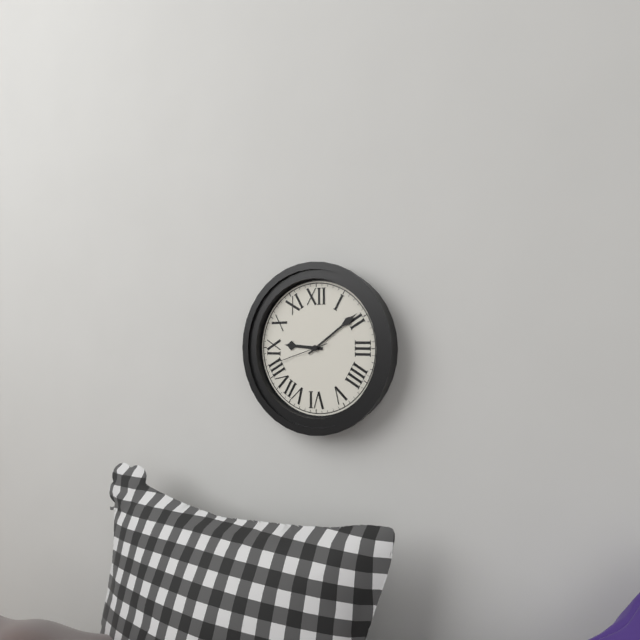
9:09:42
